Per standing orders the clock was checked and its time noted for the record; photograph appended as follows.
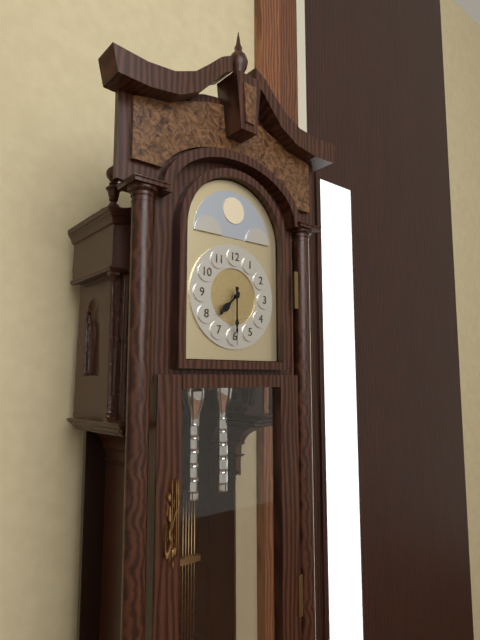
7:30
